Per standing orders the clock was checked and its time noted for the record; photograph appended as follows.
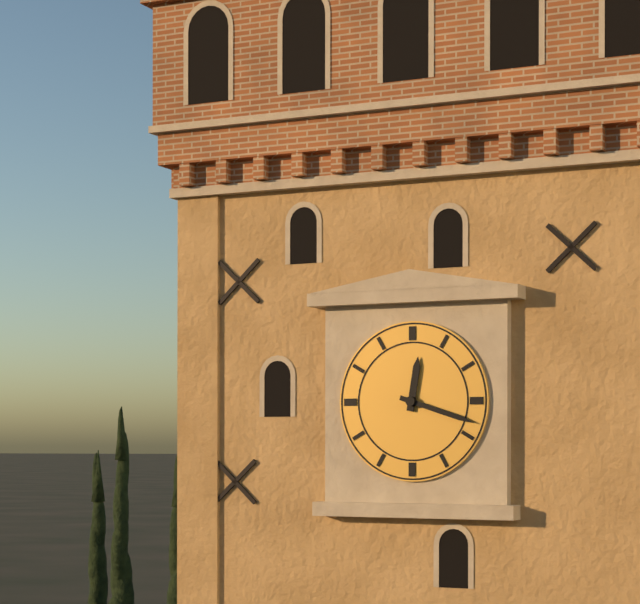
12:18
